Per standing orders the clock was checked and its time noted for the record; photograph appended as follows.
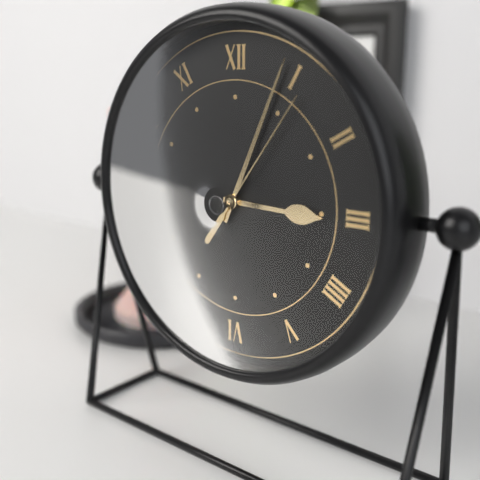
3:04:06
